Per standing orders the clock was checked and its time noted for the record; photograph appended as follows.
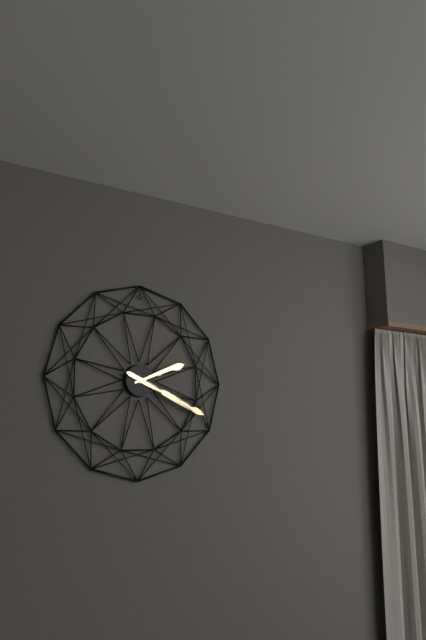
2:19
